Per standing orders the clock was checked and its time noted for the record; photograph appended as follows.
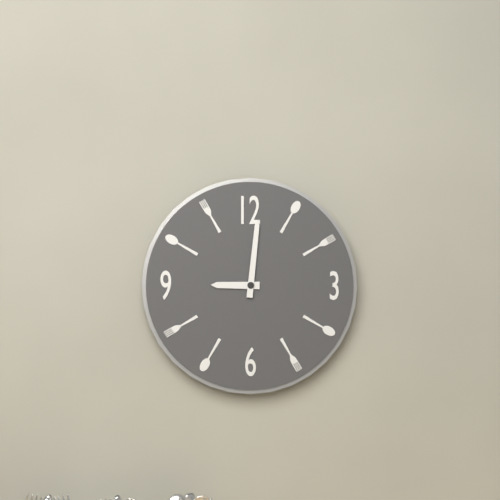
9:01
